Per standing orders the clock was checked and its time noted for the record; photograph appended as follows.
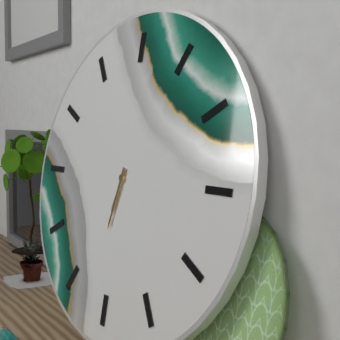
6:32
